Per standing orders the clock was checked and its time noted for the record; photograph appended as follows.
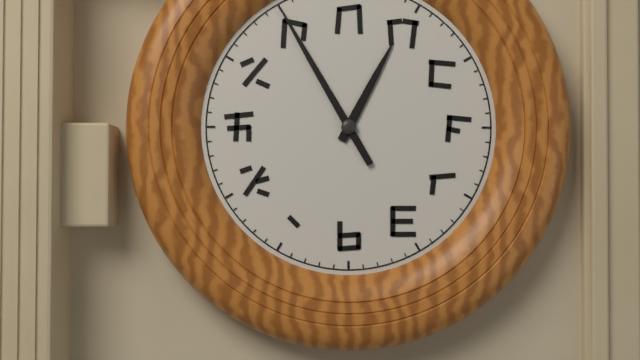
12:55
